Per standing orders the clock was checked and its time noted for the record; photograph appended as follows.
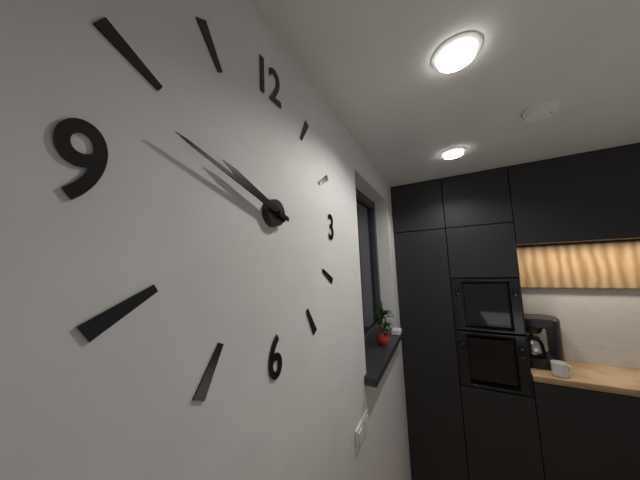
9:48
